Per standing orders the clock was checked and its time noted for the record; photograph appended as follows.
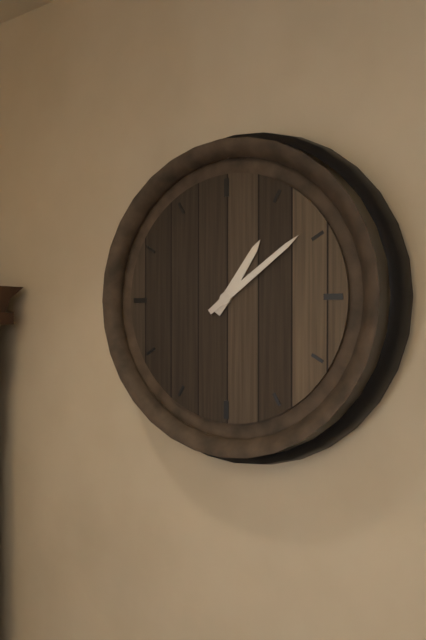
1:09
